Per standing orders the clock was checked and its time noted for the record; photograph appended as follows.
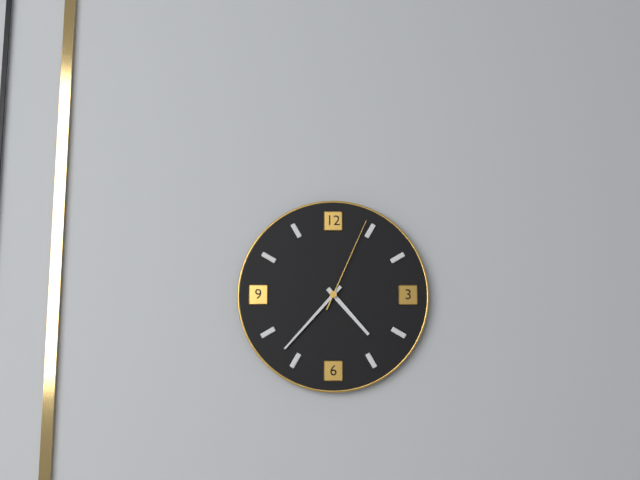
4:37:04
